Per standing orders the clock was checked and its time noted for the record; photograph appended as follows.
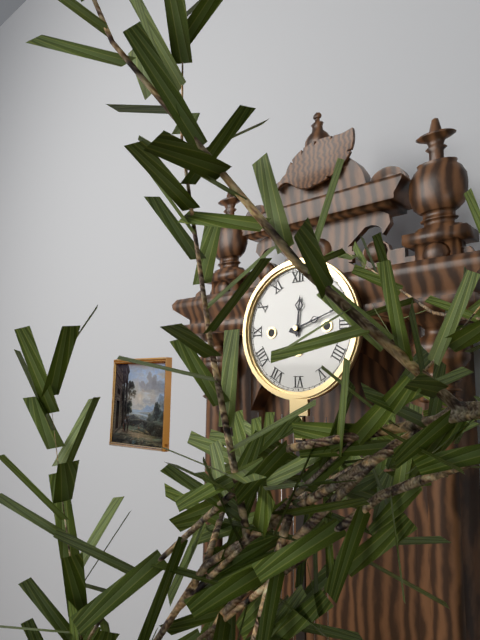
12:12
